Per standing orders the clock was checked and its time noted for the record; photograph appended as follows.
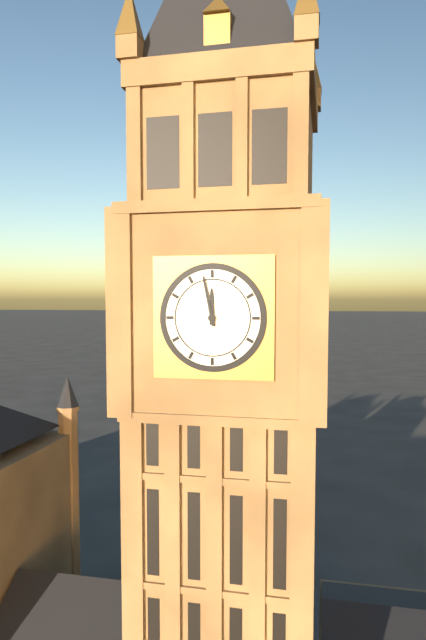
11:58
